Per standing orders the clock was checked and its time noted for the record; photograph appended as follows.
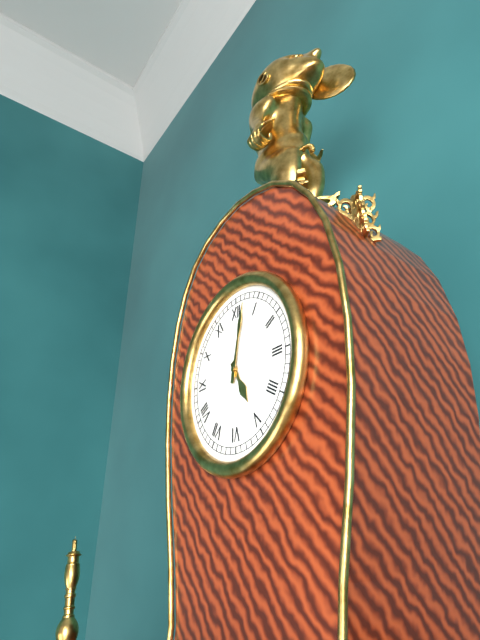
5:02
